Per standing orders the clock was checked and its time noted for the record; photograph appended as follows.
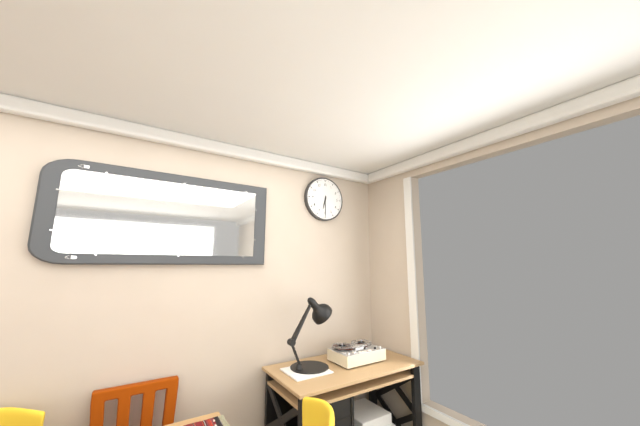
6:30
